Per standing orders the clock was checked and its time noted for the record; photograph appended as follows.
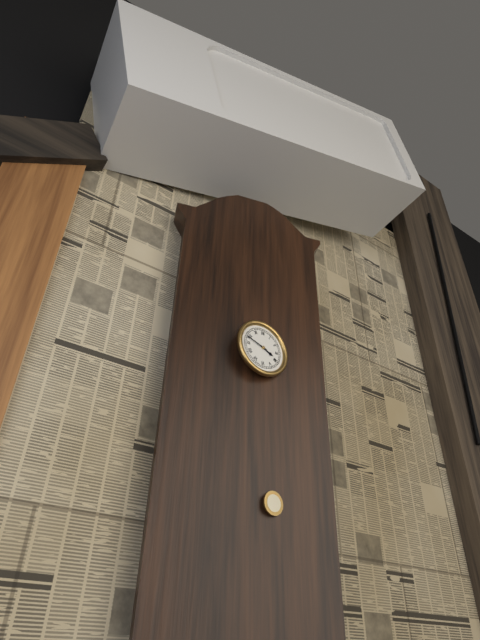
3:48
